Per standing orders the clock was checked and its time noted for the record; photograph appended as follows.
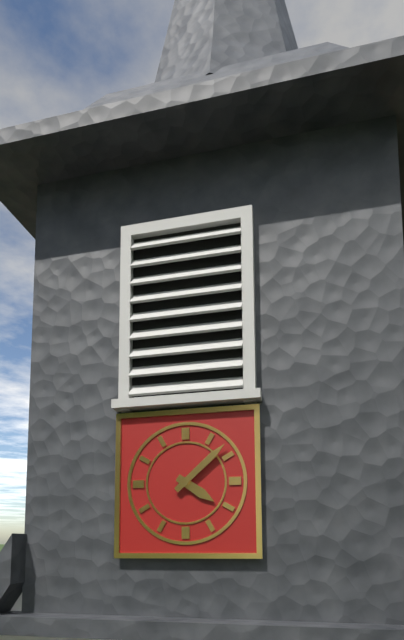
4:08
